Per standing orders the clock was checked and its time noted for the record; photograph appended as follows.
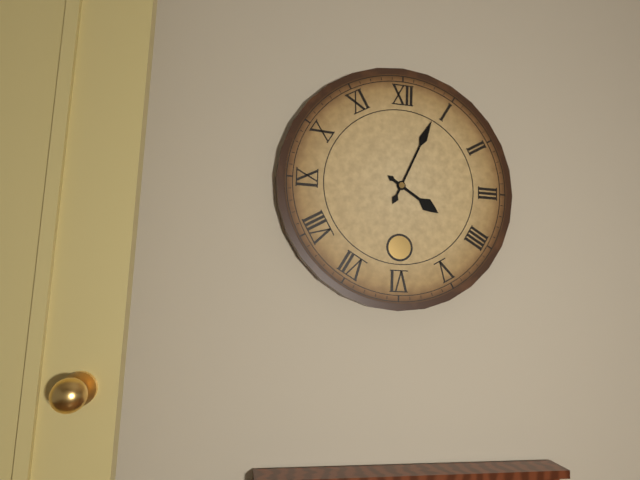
4:04
